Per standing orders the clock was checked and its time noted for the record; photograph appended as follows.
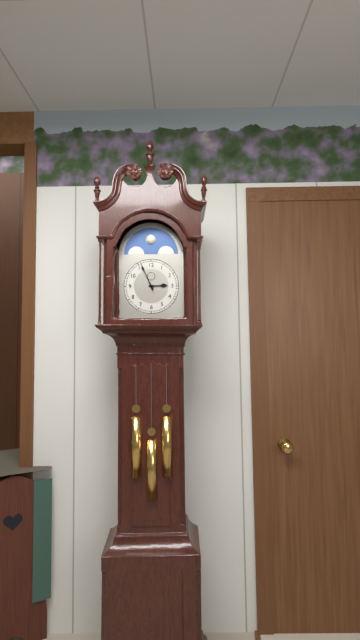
2:56
